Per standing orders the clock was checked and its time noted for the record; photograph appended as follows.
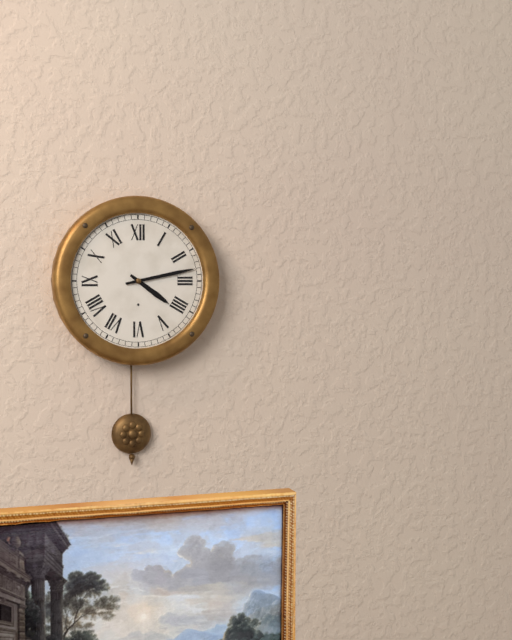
4:13
